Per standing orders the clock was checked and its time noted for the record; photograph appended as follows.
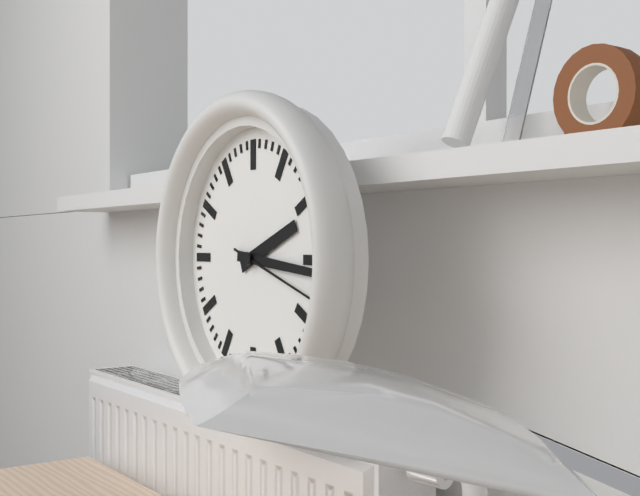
2:16:18
